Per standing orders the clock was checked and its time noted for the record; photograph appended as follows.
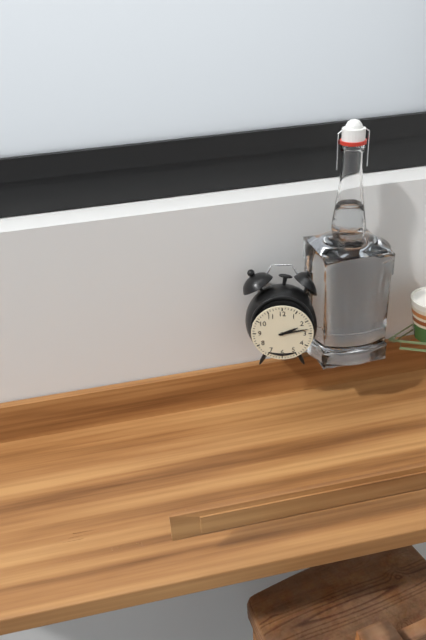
2:13
